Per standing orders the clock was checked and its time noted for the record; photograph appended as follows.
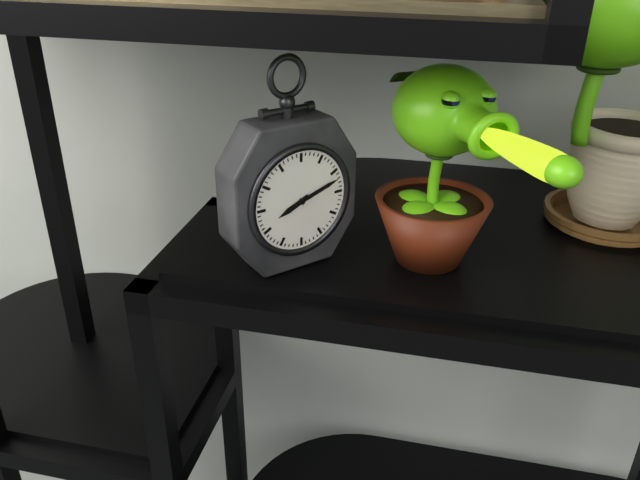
8:12
